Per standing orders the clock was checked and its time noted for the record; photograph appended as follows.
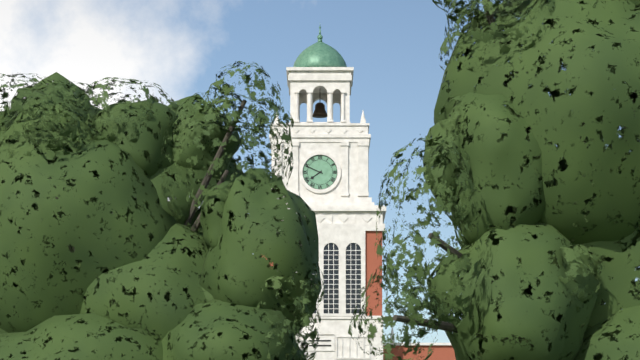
7:49
